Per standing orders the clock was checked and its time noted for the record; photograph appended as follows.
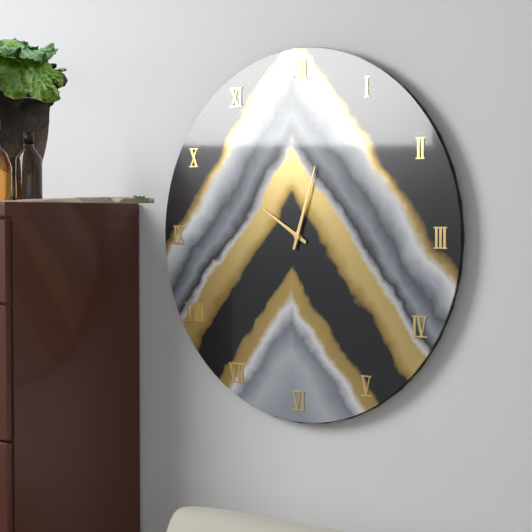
10:03
